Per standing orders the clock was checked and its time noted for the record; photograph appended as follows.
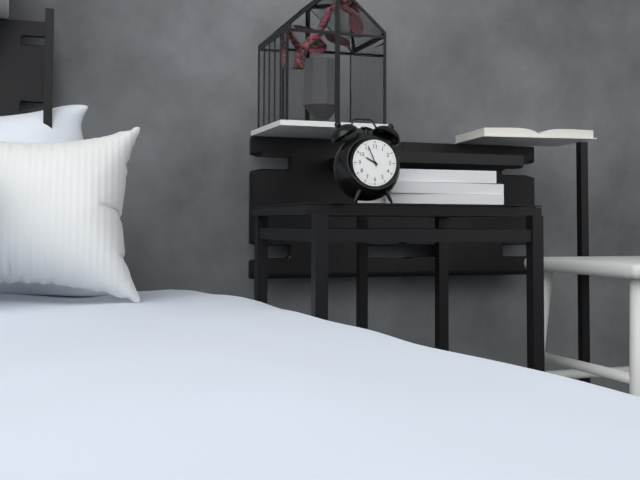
9:56
